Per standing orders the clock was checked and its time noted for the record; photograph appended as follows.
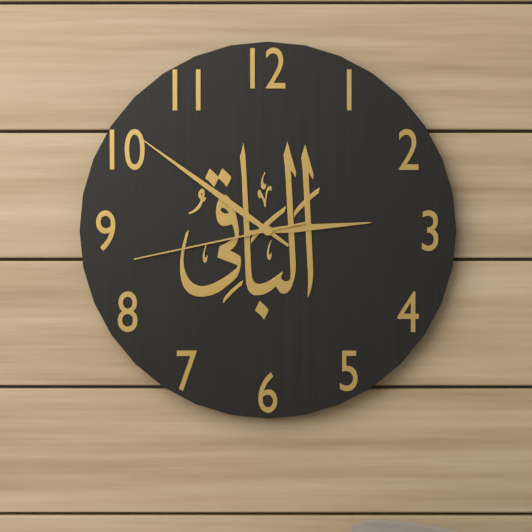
2:51:43
